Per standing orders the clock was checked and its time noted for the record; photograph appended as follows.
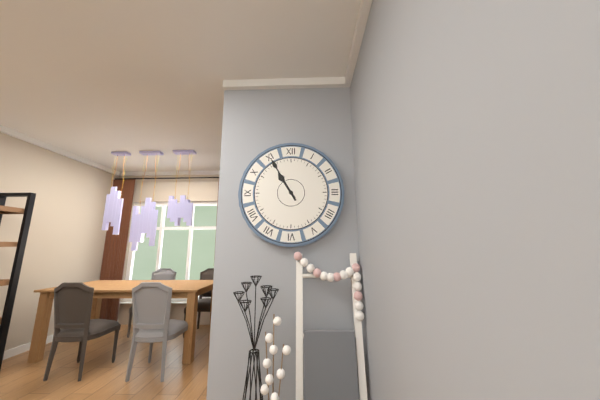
10:55
